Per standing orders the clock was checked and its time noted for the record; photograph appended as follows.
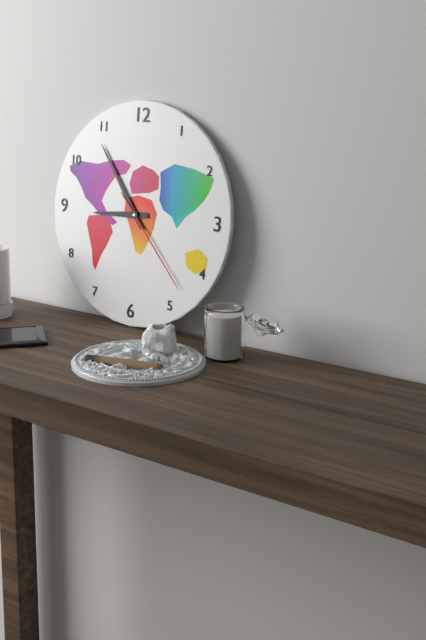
8:54:23
